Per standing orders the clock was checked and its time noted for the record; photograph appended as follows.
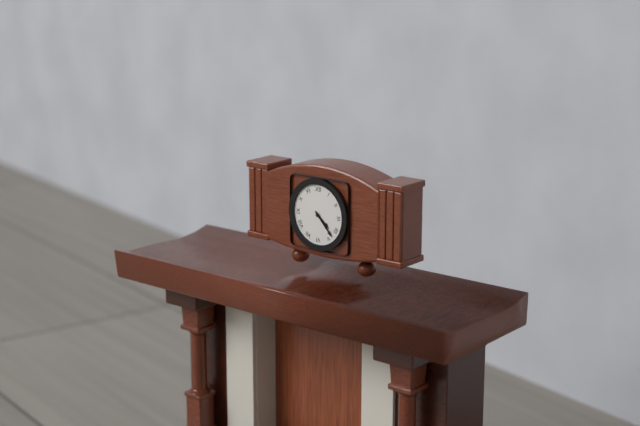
4:23
